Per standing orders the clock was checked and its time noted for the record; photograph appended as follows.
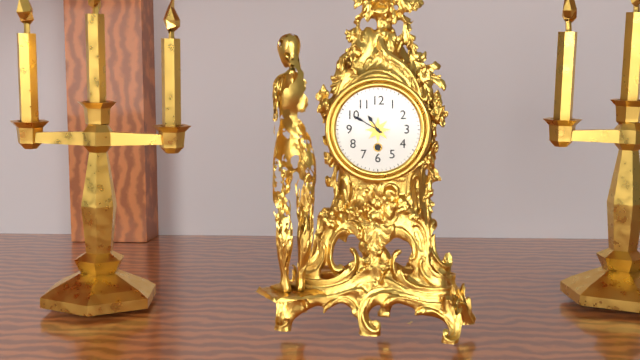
10:50
